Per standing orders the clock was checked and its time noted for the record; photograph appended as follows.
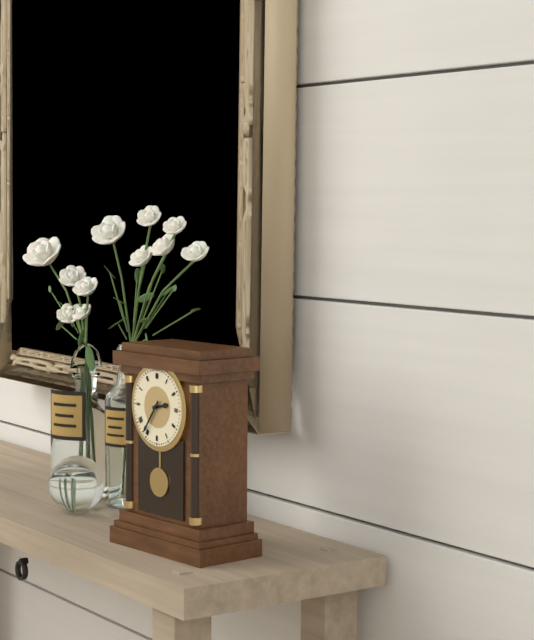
2:36
